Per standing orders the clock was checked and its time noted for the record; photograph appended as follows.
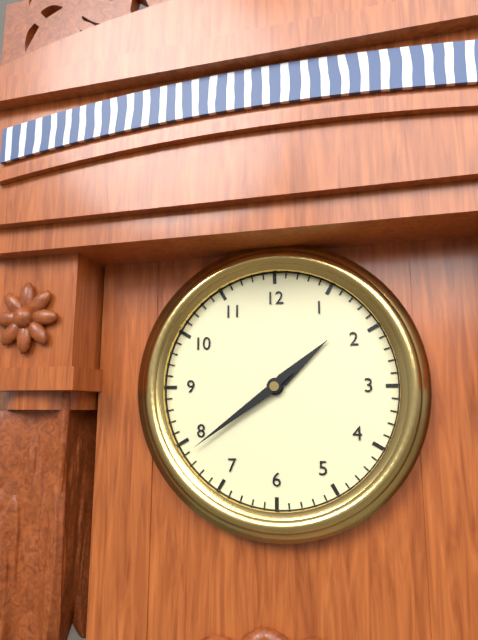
1:39
